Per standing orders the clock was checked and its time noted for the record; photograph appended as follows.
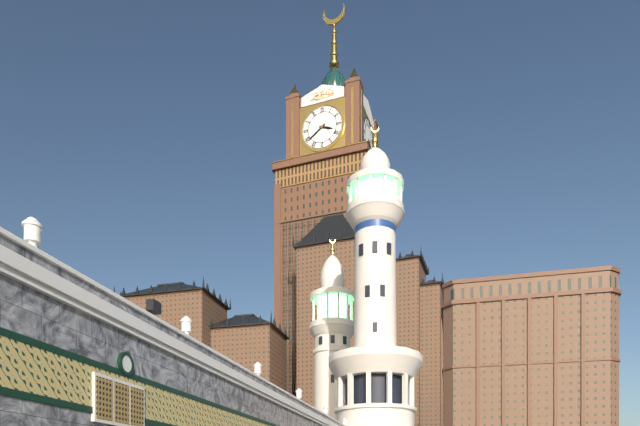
3:39
